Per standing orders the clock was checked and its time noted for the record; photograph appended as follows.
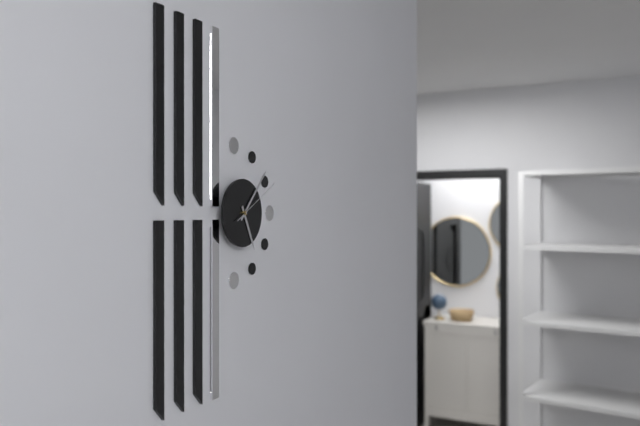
5:07:10
